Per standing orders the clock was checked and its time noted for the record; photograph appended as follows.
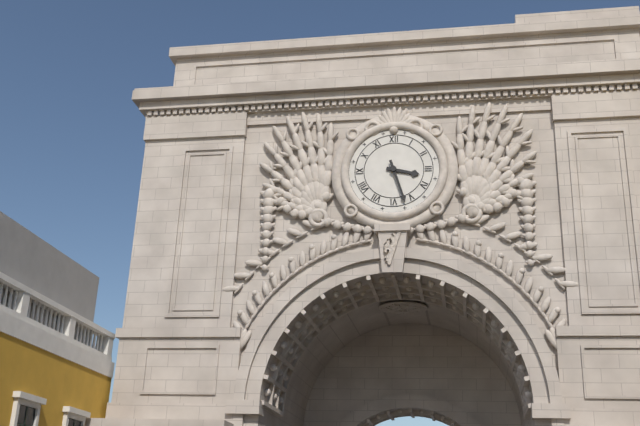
3:27
